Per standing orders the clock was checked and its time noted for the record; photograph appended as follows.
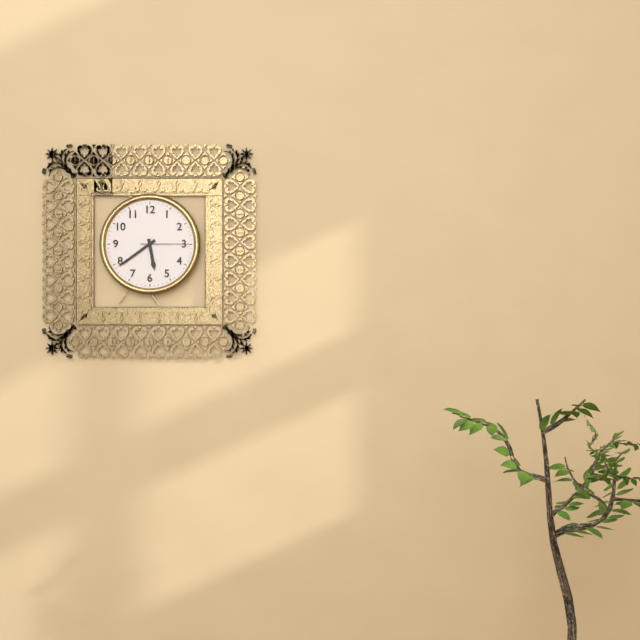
5:39:15
